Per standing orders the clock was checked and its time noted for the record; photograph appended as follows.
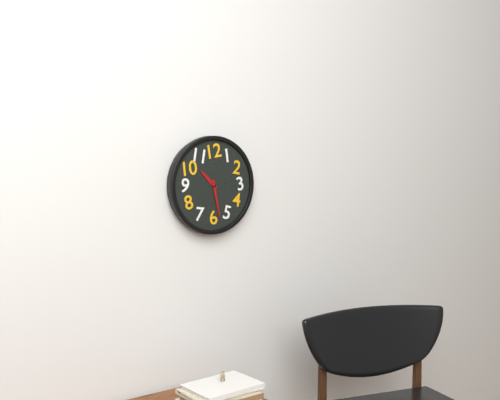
10:28
